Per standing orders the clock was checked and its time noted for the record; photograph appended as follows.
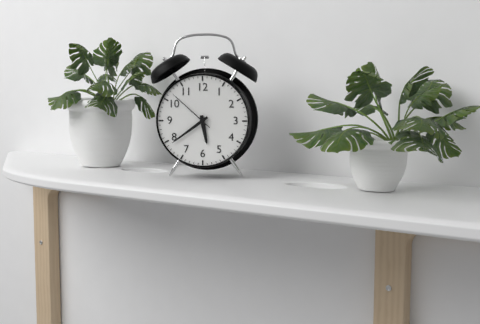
5:39:52
